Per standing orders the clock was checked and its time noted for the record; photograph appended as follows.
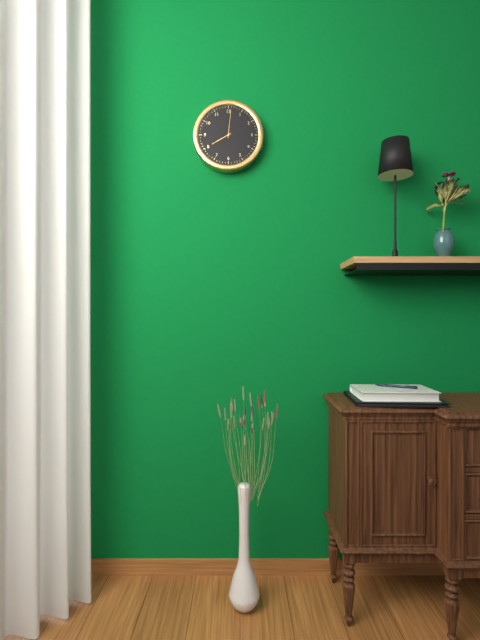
8:01
